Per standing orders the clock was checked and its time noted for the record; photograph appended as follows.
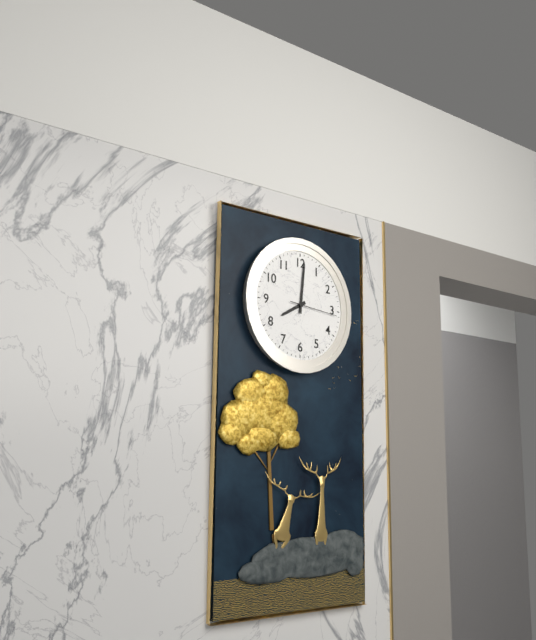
8:01
